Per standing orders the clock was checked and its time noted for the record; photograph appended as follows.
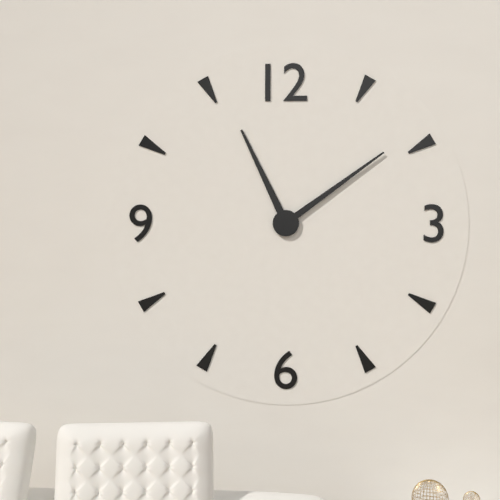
11:09
